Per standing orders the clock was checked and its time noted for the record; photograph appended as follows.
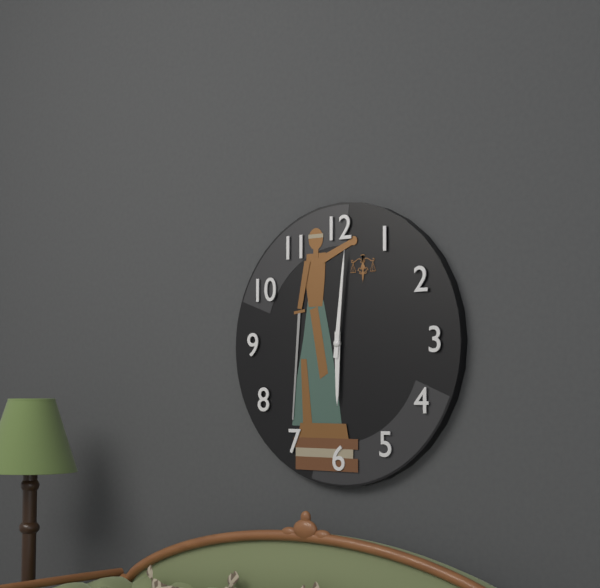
6:01
